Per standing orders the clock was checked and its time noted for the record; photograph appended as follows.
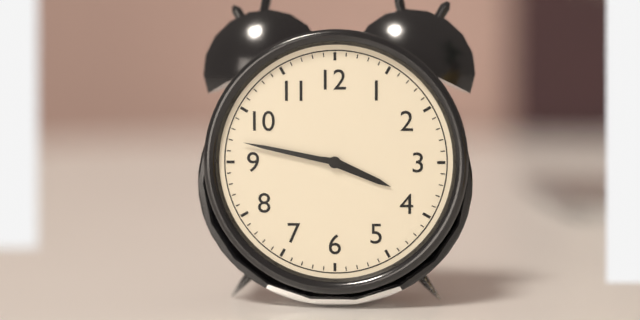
3:47
